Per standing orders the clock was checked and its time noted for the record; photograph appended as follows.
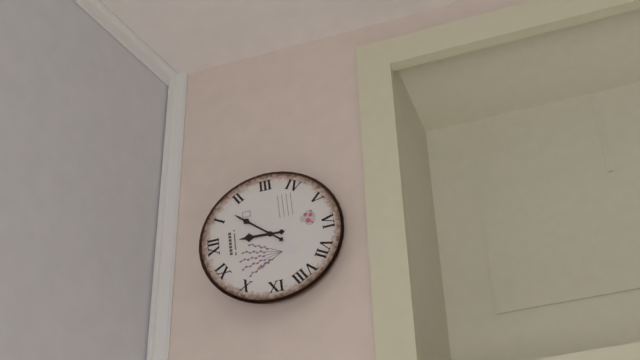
12:07
